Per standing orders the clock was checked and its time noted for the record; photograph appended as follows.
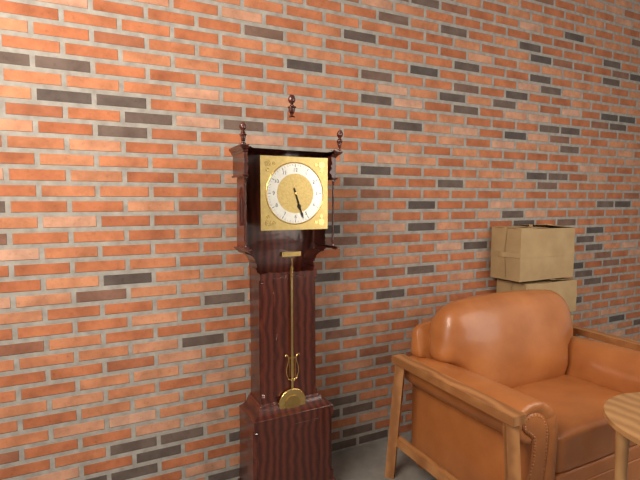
5:27
